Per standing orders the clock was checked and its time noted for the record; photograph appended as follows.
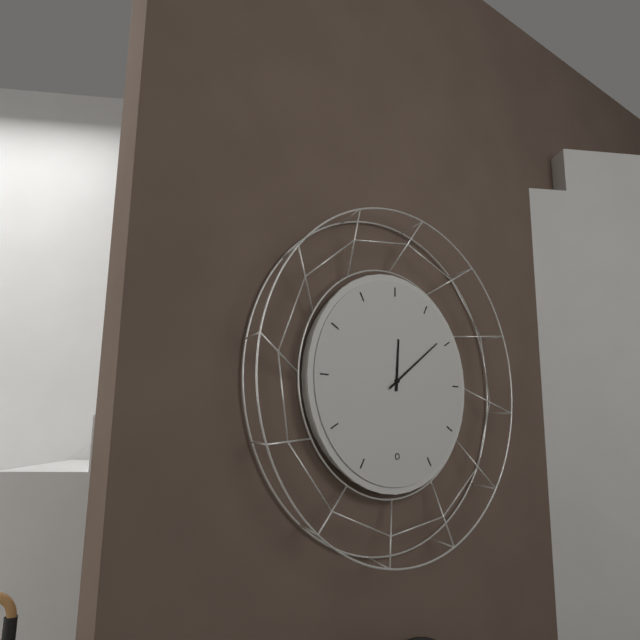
12:09
